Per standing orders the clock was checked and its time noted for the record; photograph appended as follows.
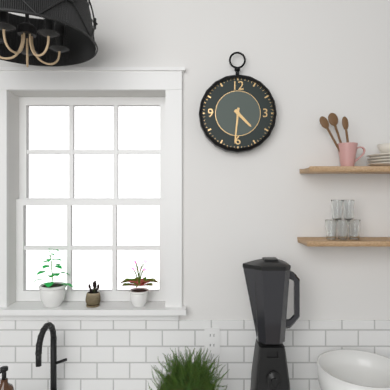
4:31
